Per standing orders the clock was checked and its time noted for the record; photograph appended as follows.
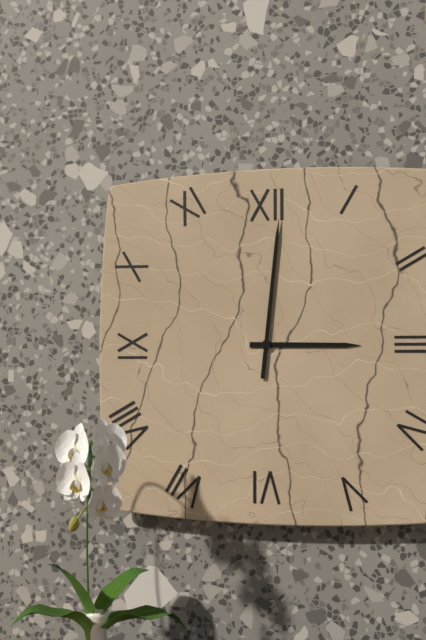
3:01
